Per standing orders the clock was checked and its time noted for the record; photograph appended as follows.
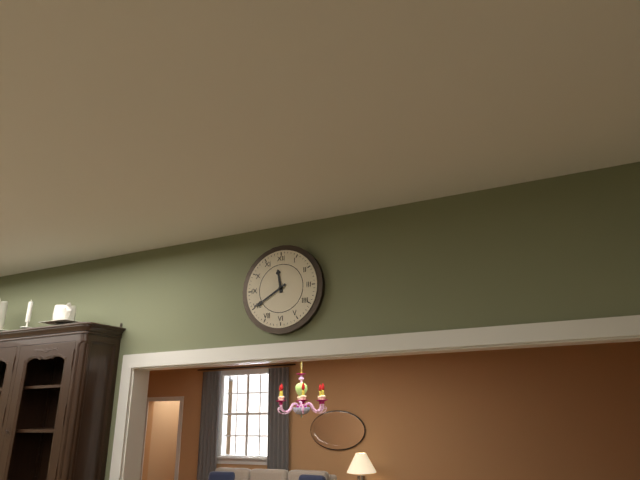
11:40
